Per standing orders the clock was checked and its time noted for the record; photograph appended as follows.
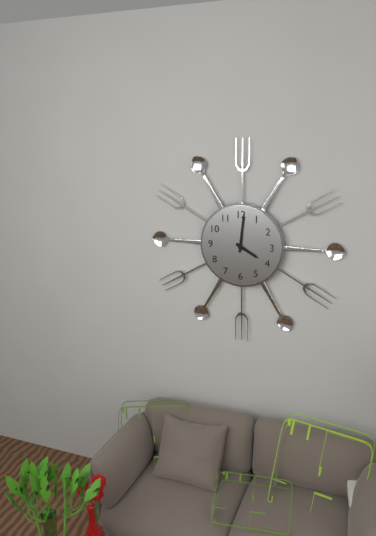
4:01
